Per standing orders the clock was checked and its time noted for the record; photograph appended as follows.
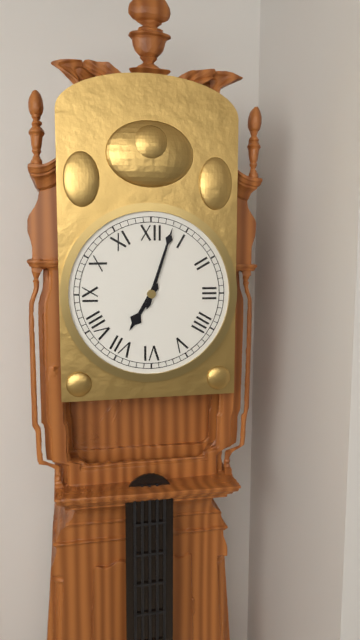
7:03
